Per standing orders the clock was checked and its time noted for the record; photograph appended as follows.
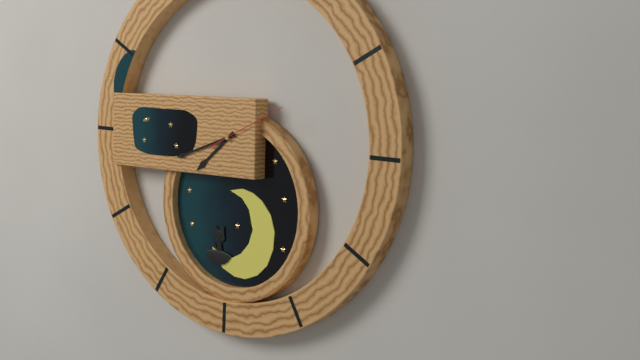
7:42:11
